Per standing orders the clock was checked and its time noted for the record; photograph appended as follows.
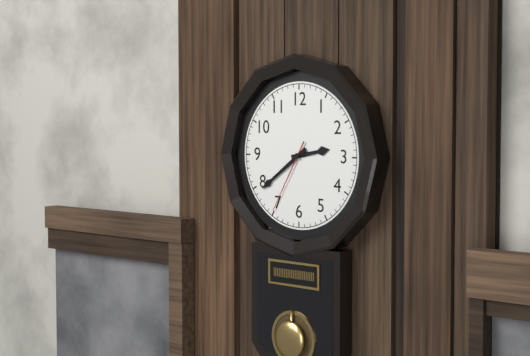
2:39:35
